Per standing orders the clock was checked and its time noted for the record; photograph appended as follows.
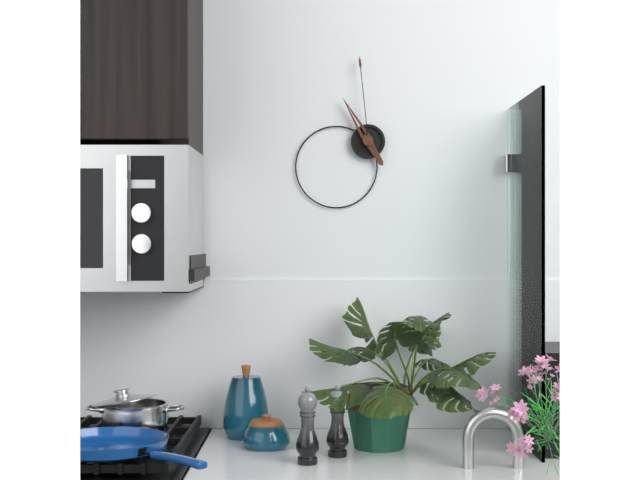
10:59
